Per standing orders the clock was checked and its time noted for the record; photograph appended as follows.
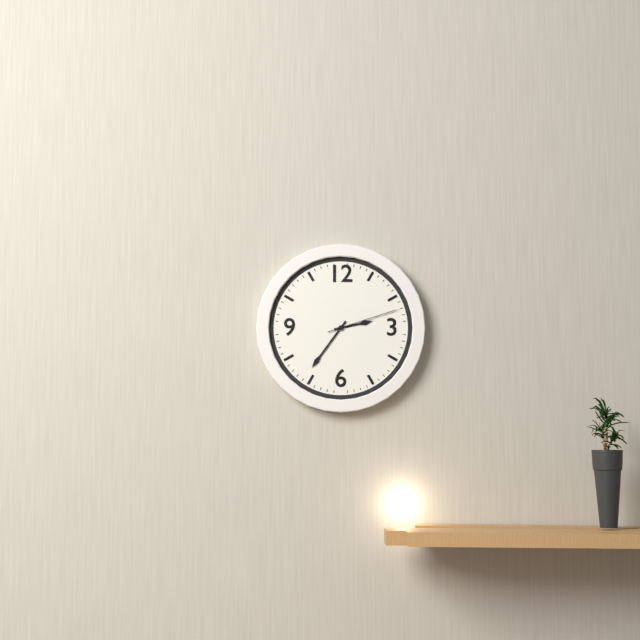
2:36:12
